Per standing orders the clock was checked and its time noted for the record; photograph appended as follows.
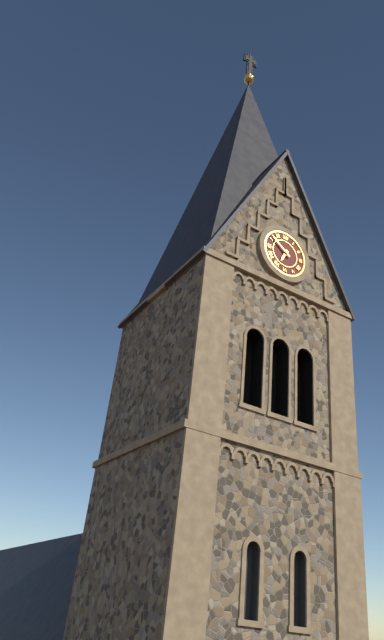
6:51
